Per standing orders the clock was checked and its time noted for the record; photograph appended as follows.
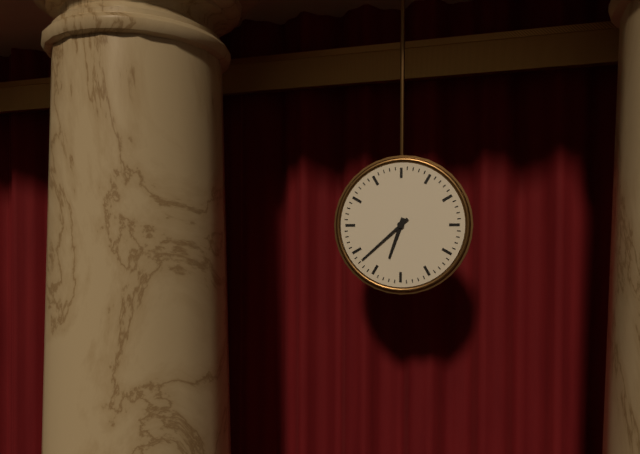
6:38
